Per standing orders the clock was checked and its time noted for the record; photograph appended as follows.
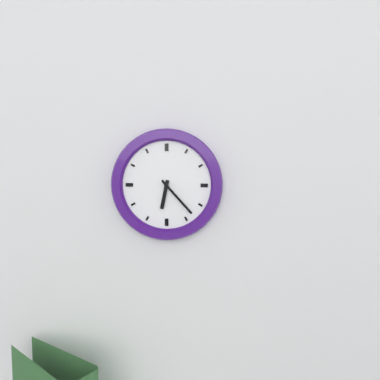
6:23
